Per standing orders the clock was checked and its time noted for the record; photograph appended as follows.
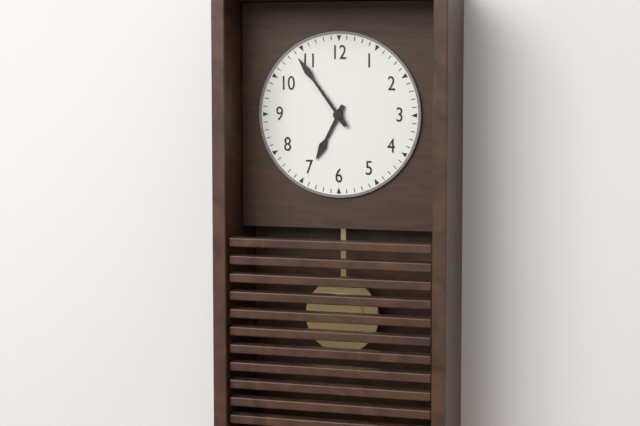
6:54
